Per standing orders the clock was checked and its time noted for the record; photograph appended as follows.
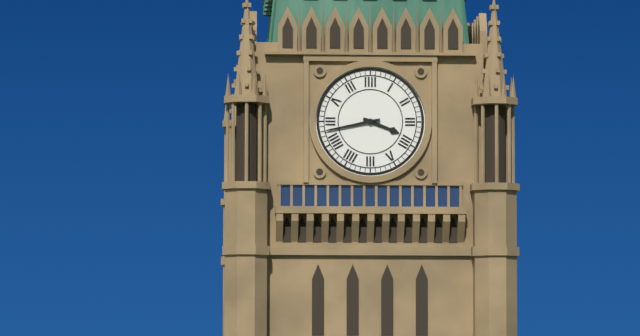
3:43
